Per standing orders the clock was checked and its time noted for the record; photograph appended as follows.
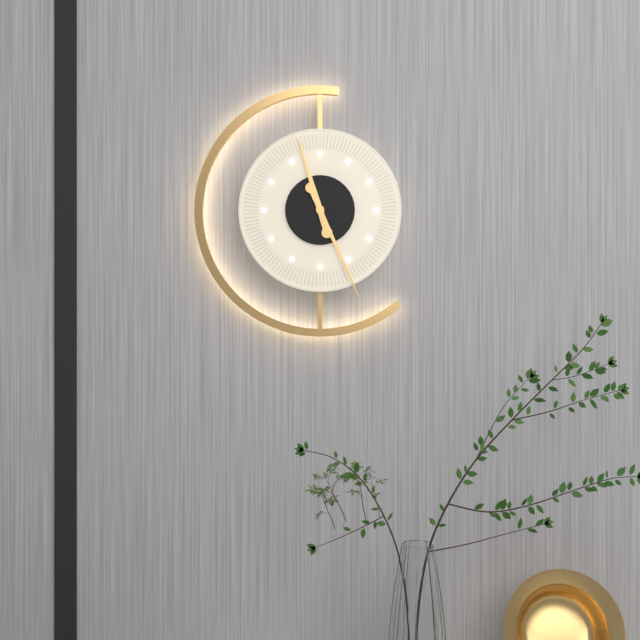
11:26
